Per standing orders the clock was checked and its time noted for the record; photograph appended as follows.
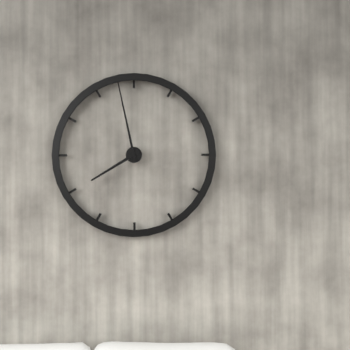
7:58
